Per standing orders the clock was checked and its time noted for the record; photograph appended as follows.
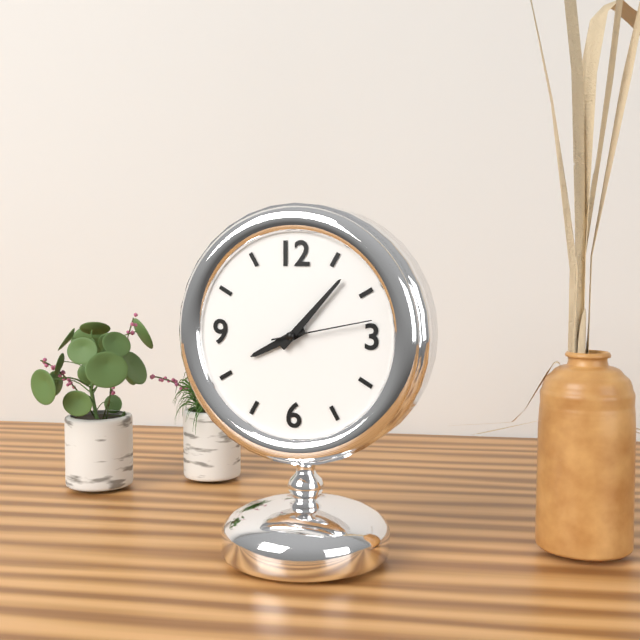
8:07:13
